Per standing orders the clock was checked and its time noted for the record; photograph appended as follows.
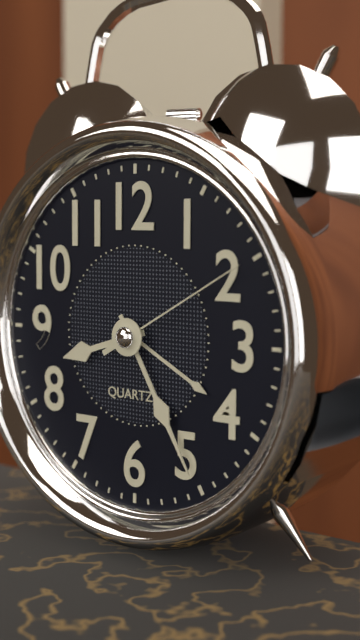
8:25:10
